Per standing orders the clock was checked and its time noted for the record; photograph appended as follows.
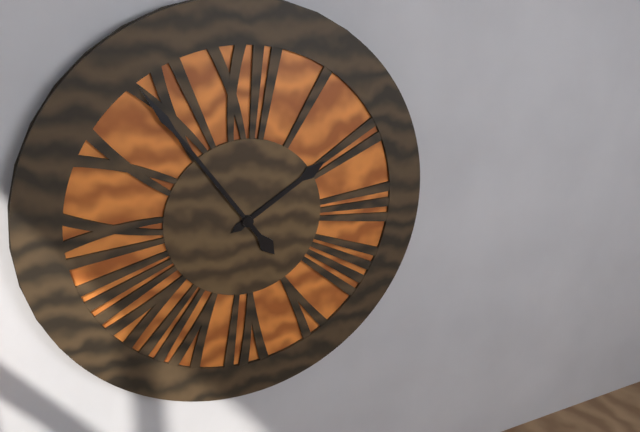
1:54
